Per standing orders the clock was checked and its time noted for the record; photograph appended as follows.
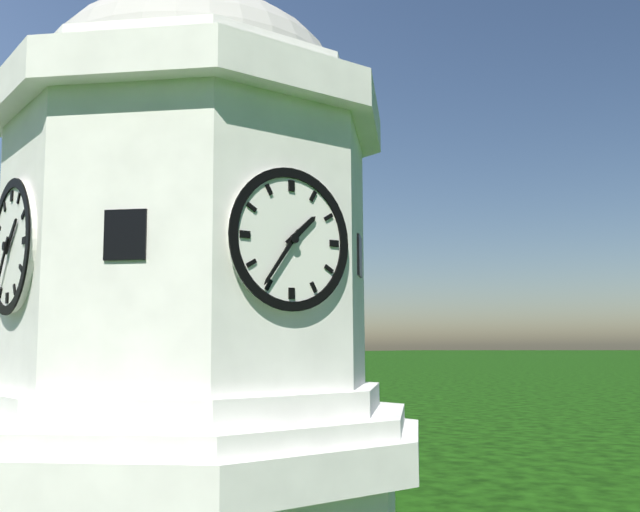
1:36
